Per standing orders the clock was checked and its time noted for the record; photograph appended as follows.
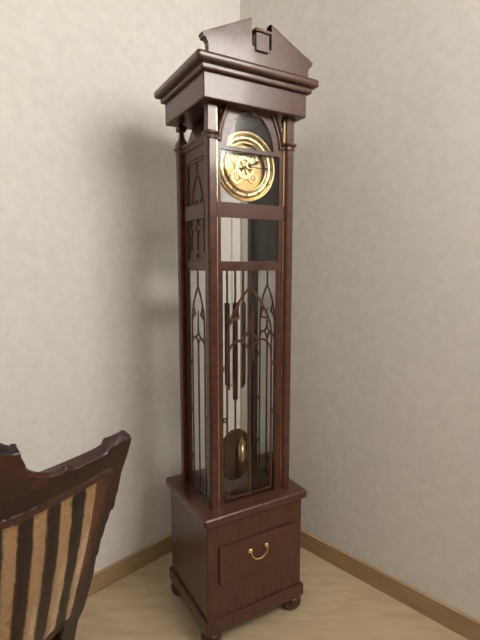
2:15
